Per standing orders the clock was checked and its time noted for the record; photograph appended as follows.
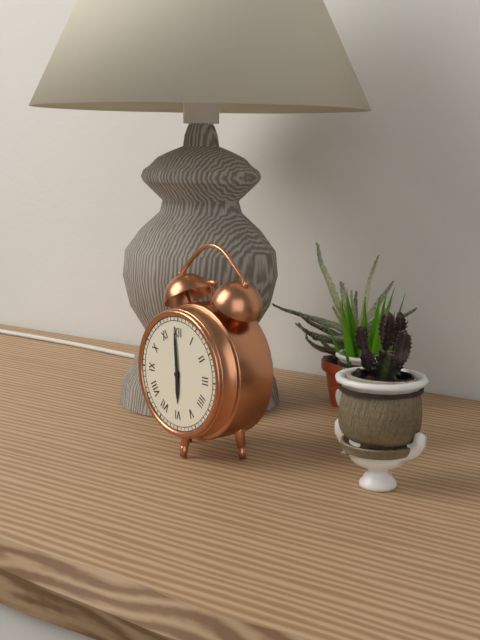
5:59
